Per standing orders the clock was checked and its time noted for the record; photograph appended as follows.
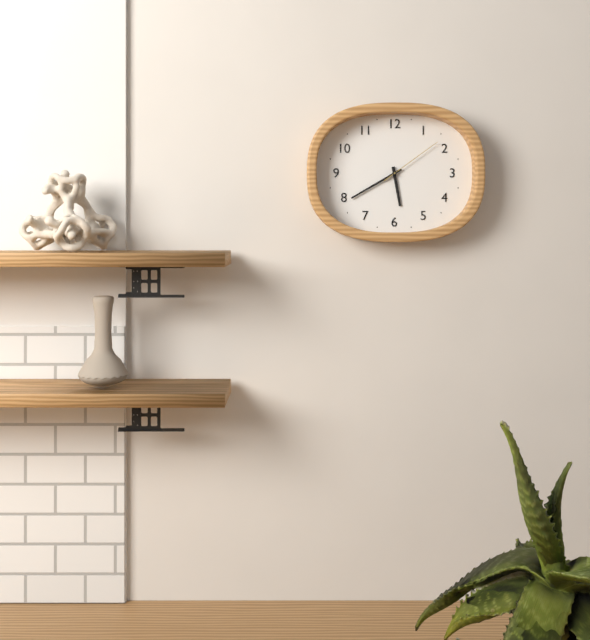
5:40:09
